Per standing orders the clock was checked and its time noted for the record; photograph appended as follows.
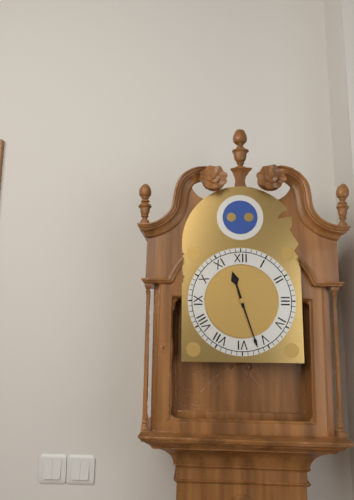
11:27
